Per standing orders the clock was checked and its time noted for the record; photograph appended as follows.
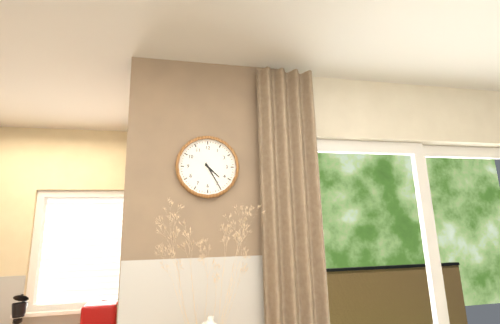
4:25
